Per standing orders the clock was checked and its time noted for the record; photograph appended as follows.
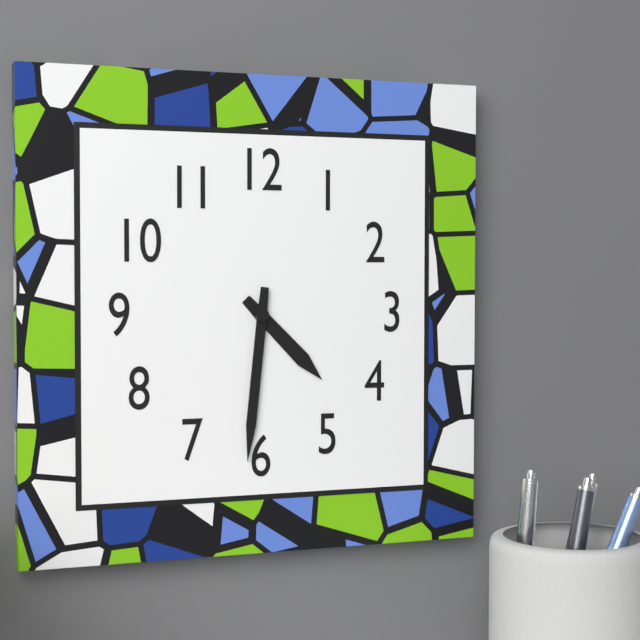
4:31
